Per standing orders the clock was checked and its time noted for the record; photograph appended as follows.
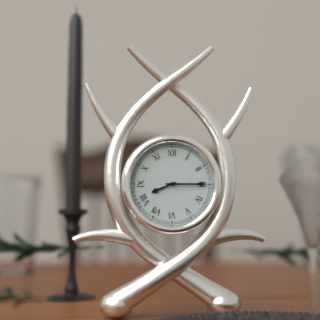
8:15
